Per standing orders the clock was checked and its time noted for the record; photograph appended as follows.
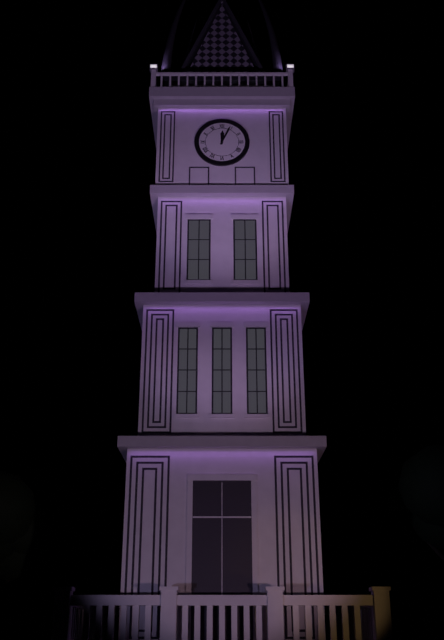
12:04
